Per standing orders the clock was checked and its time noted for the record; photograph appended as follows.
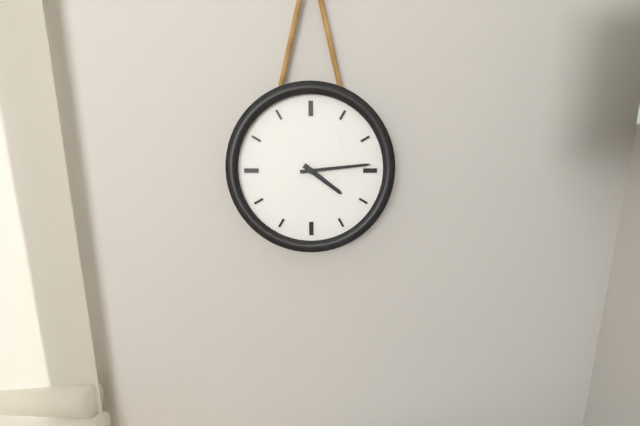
4:14
